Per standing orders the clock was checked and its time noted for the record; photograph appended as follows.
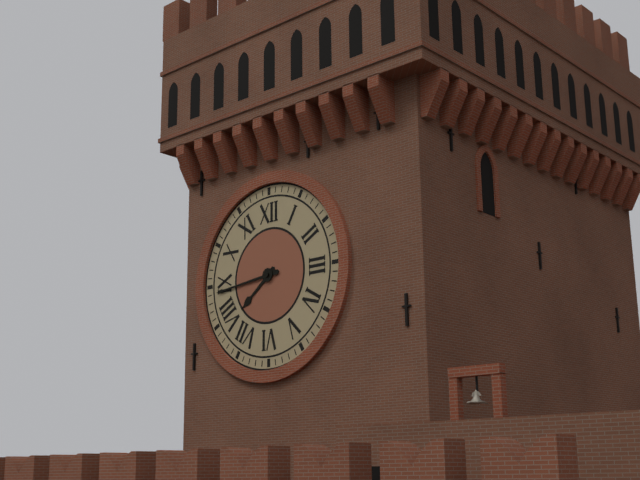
7:44
